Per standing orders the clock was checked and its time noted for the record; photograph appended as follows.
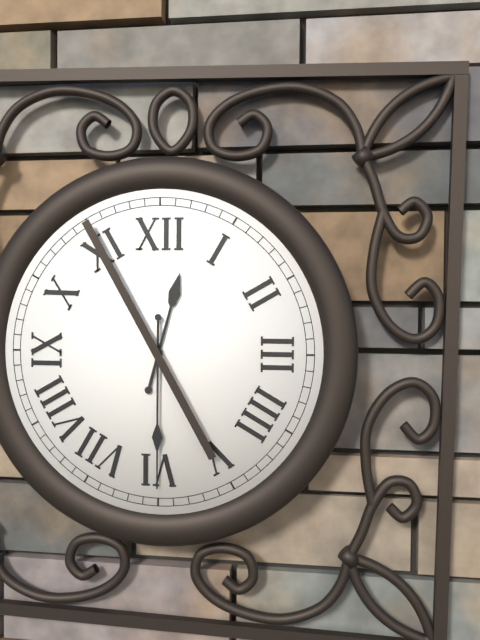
12:30
